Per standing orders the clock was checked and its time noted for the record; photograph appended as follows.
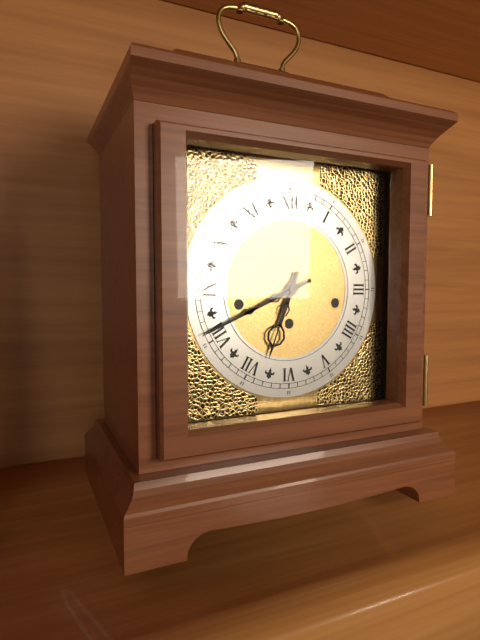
6:41
